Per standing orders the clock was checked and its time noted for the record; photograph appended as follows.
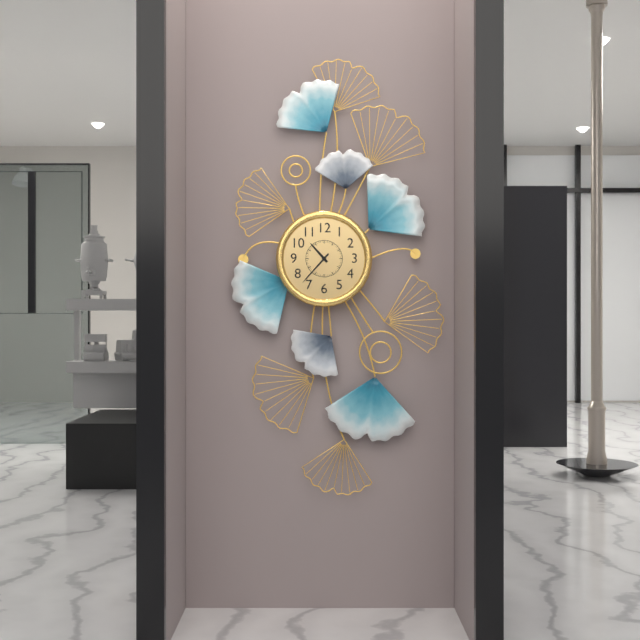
10:37
